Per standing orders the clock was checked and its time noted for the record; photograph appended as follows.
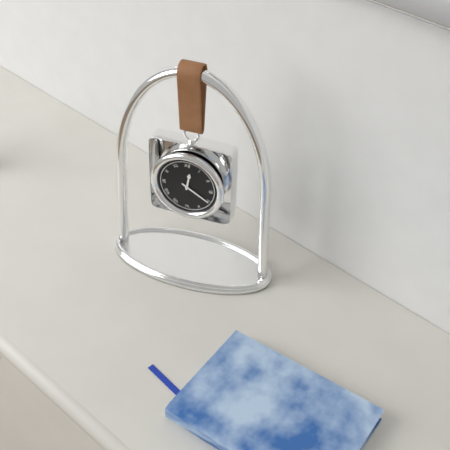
12:20
